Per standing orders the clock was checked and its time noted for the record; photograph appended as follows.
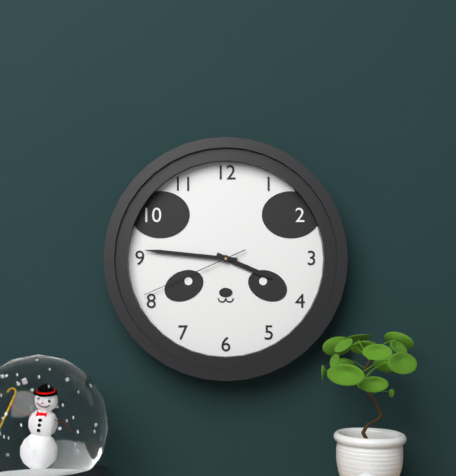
3:46:41
